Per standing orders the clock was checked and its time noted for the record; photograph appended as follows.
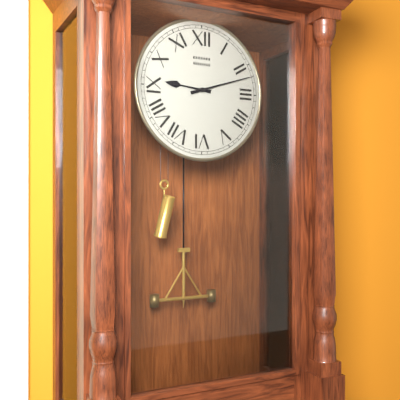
9:12
